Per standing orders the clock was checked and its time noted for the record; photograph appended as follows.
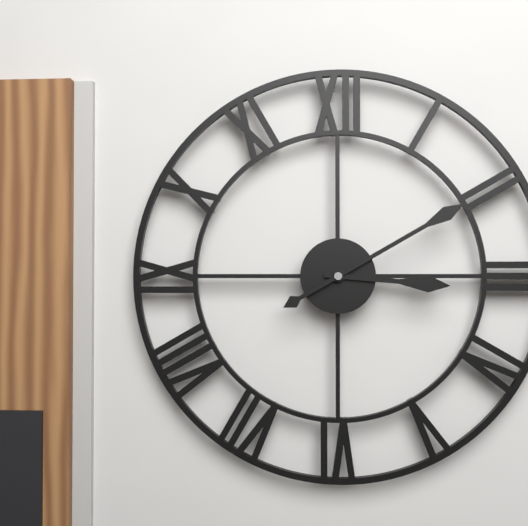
3:10
